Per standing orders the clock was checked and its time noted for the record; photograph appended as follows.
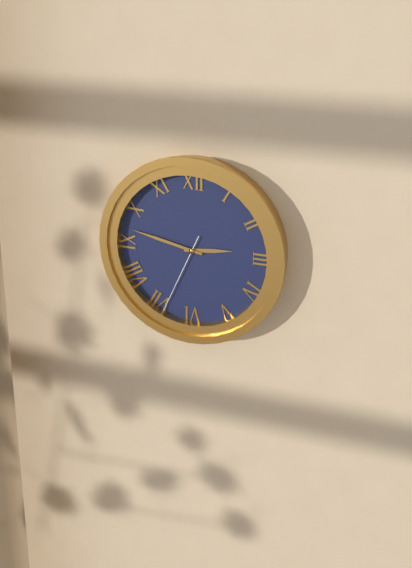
2:47:34
